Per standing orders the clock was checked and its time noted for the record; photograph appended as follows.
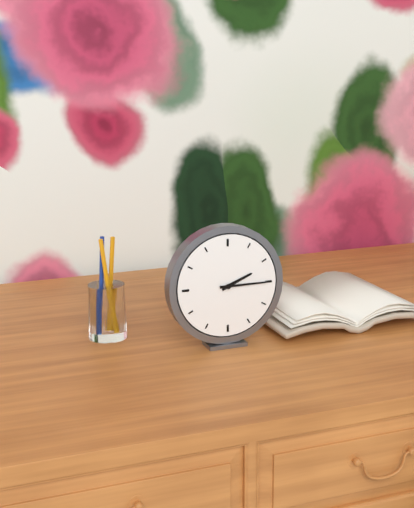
2:15
